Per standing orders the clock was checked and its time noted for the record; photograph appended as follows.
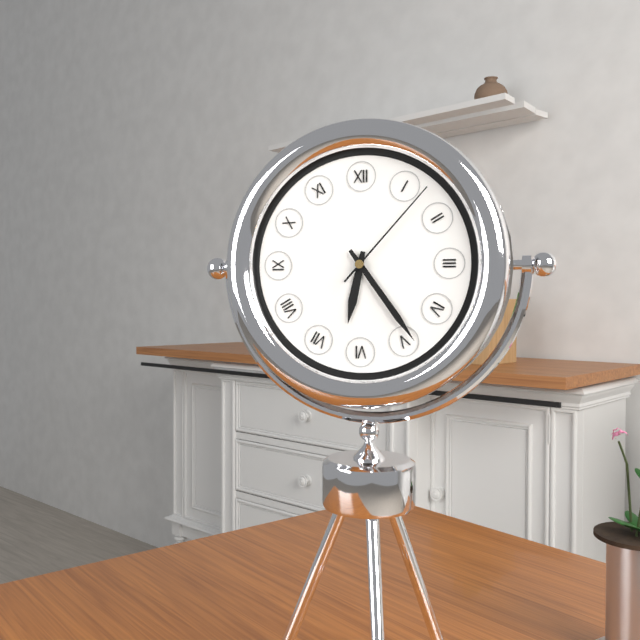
6:24:07
